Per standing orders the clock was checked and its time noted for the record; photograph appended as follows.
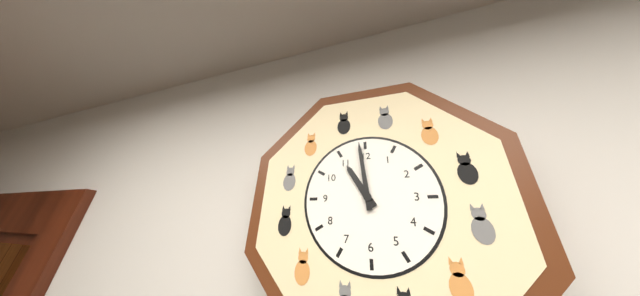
10:59
